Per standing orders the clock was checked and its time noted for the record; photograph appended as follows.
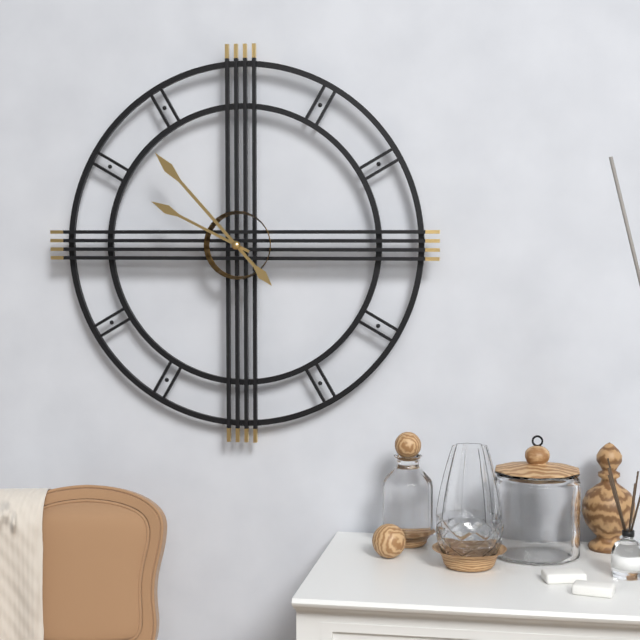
9:53
